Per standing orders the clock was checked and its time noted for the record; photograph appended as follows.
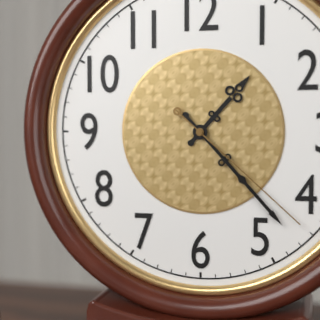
1:23:22
